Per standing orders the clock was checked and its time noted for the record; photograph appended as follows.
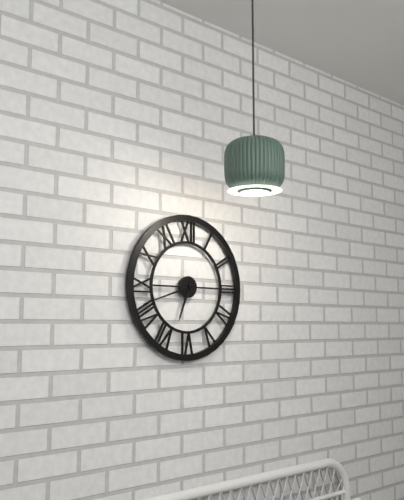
6:42
